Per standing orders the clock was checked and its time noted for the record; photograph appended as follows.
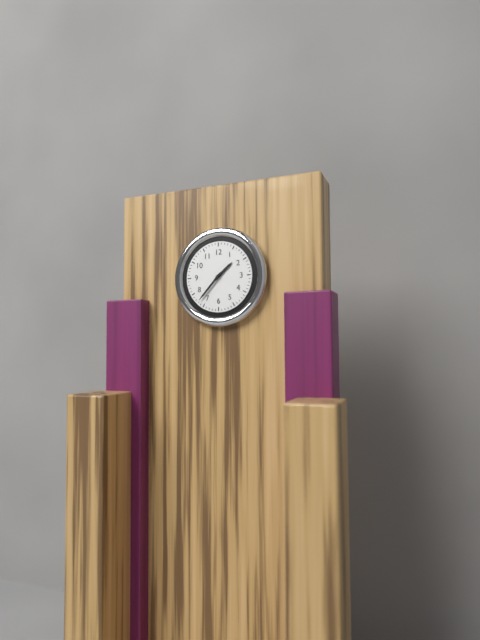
1:37
